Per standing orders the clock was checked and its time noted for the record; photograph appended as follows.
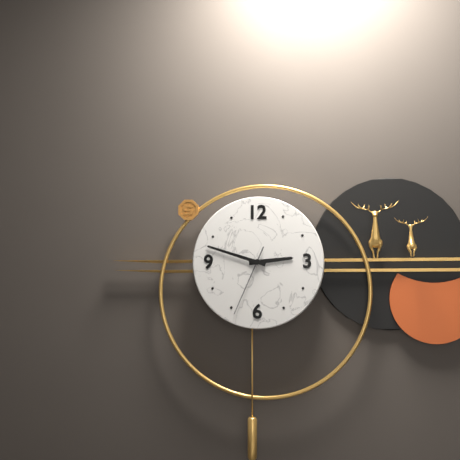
2:48:34
